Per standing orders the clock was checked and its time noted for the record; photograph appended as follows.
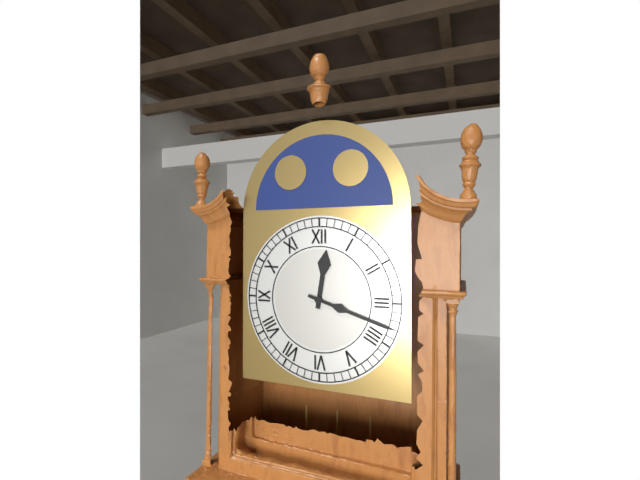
12:18
